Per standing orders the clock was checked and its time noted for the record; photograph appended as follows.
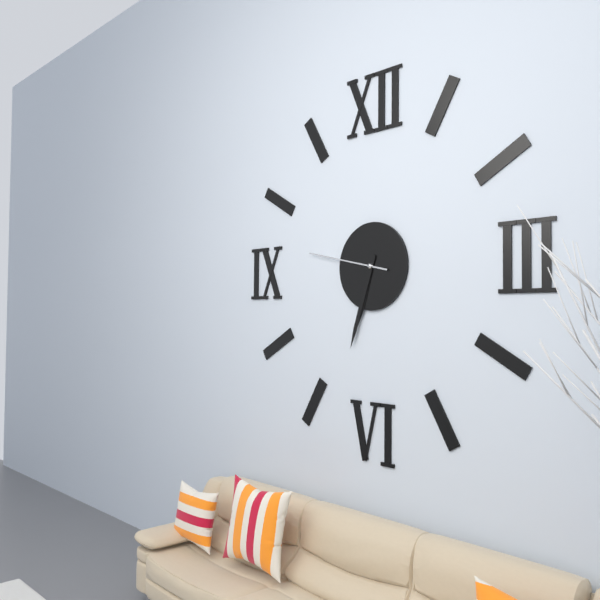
6:33:47
